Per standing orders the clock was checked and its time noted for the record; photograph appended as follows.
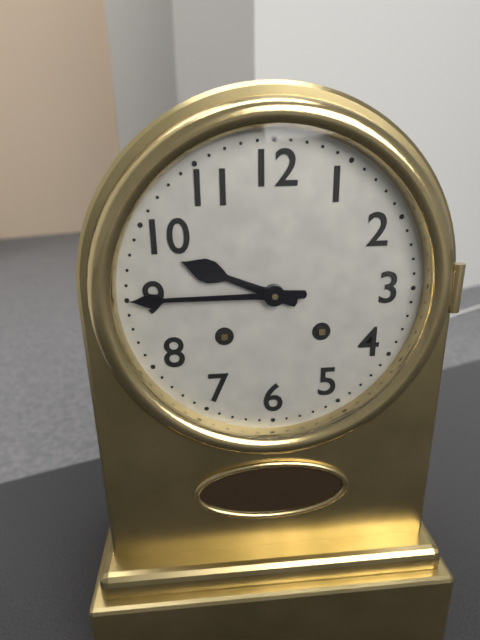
9:45
